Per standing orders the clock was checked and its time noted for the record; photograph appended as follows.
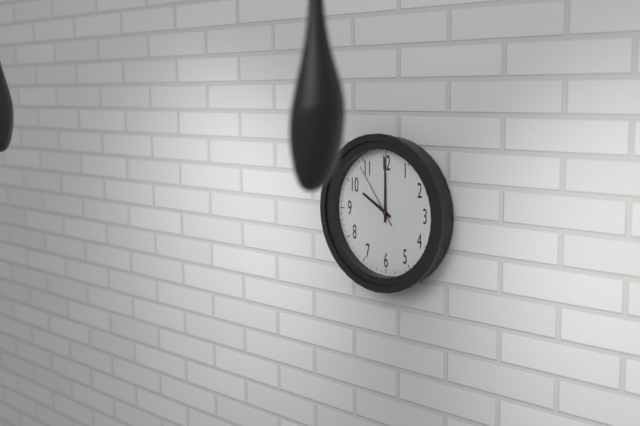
10:00:54
